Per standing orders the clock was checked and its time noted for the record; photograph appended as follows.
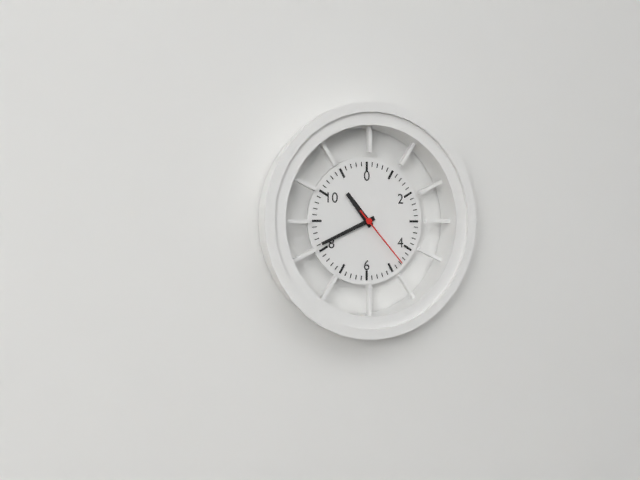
10:41:23
